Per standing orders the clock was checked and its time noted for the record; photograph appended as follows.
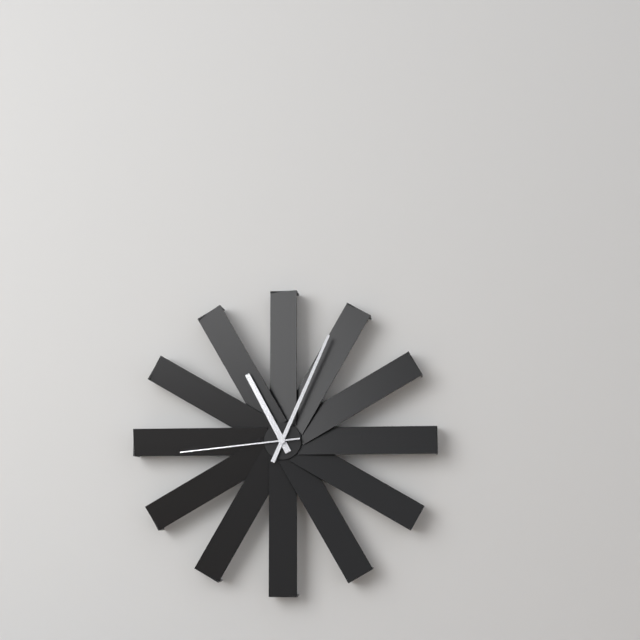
11:04:44
